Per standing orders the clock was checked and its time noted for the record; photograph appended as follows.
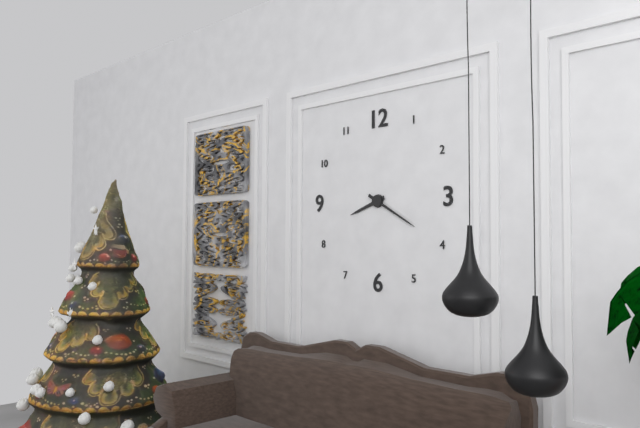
8:20
